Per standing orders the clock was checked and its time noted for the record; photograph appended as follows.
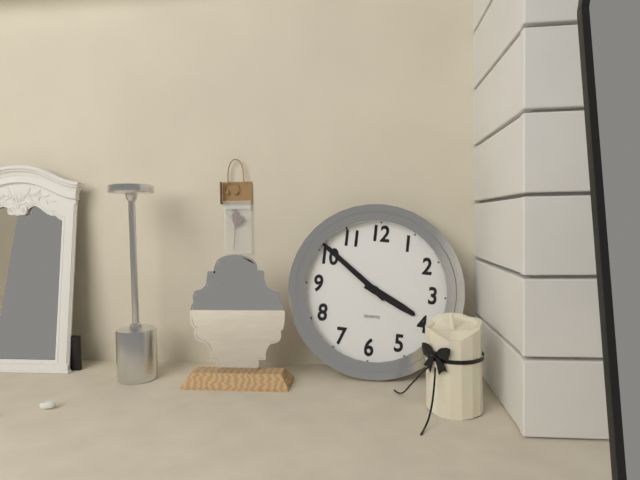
3:51
